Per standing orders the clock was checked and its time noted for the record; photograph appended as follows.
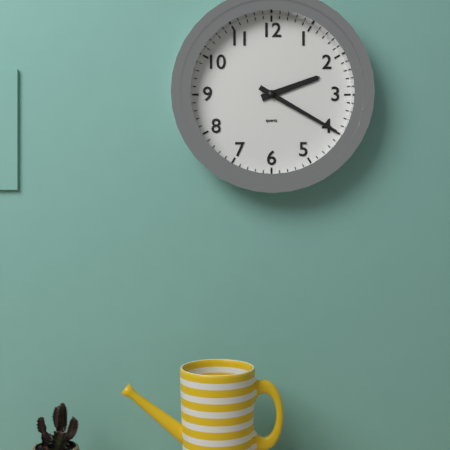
2:20
